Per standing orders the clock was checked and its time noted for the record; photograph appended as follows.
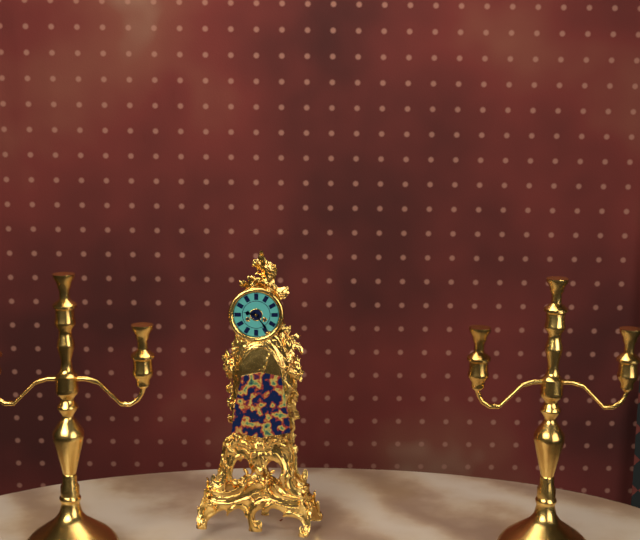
9:24
